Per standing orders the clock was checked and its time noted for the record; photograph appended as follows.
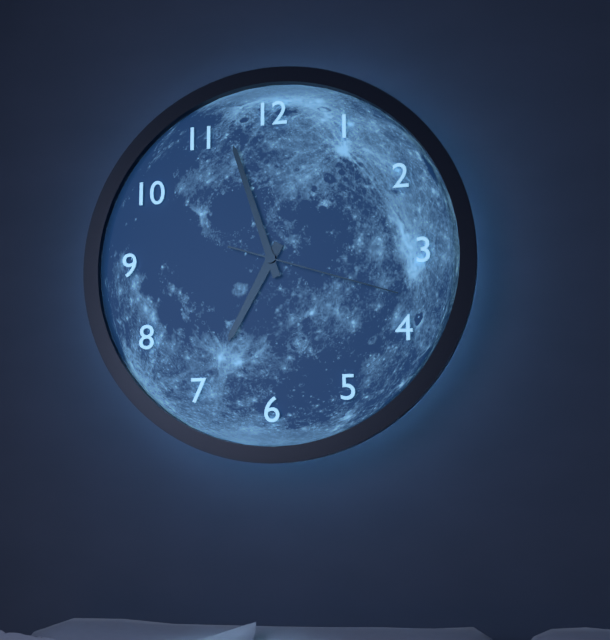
6:57:18
